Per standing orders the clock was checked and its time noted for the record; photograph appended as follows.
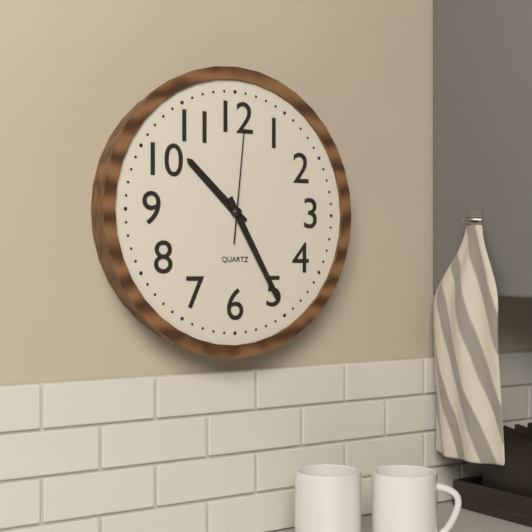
10:25:01
